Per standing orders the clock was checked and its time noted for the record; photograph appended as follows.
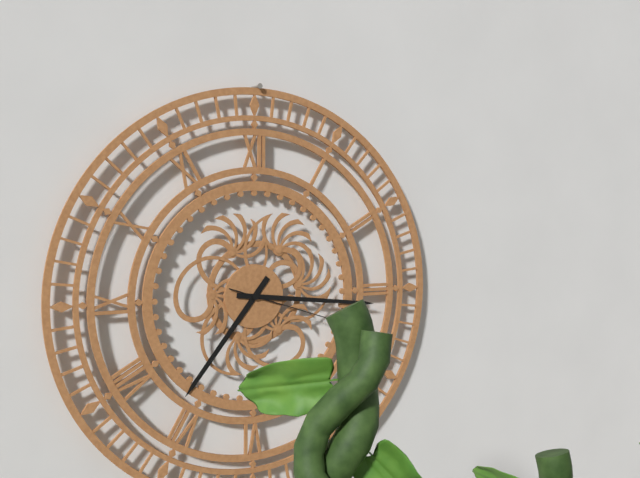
7:16
